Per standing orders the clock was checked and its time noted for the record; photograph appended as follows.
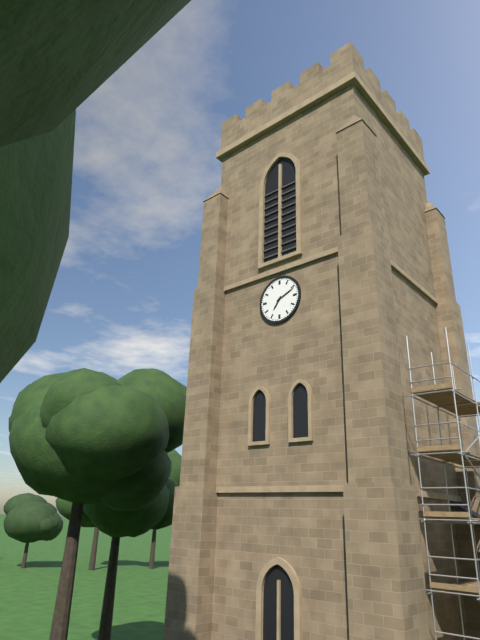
7:11
